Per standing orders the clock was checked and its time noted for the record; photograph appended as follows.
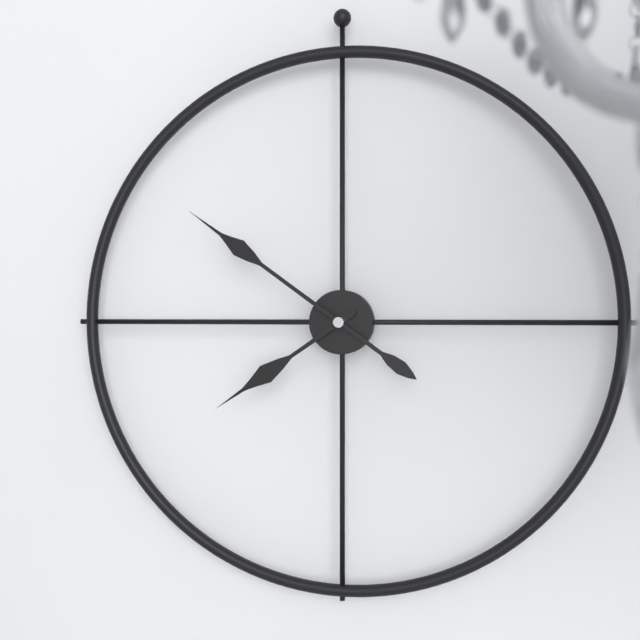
7:51
